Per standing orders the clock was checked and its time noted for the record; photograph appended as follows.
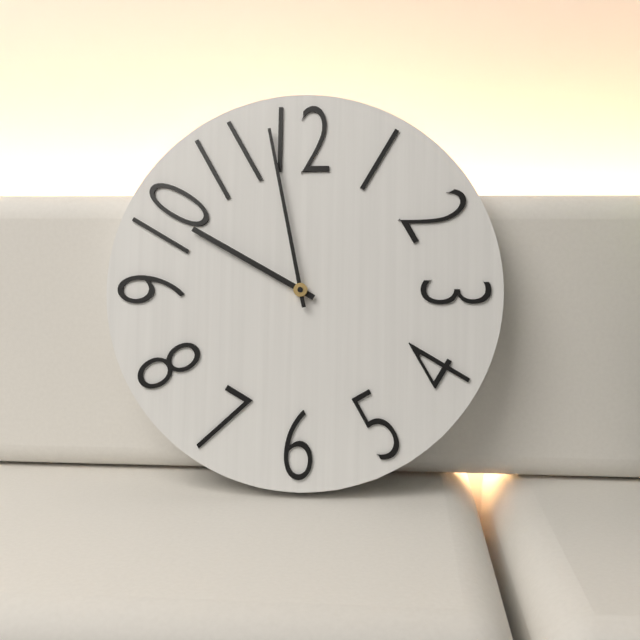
9:58
